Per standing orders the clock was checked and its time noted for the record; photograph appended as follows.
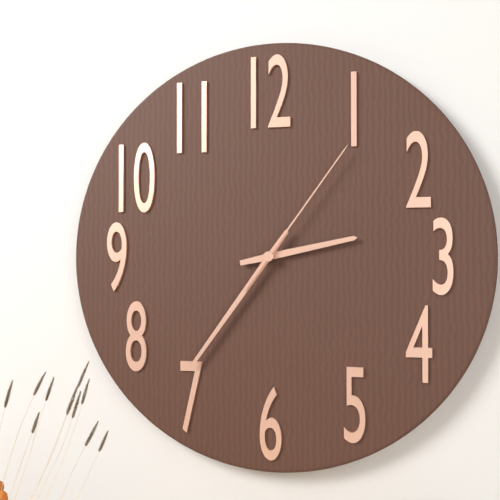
2:36:06
